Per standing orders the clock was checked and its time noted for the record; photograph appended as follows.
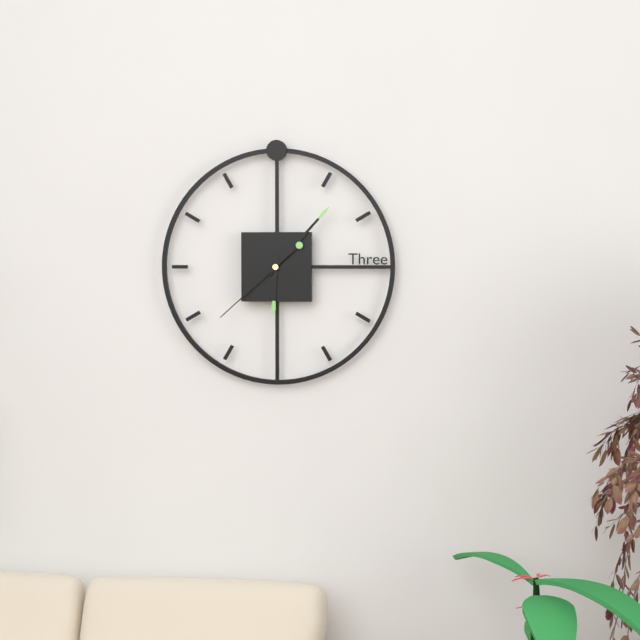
6:07:38
